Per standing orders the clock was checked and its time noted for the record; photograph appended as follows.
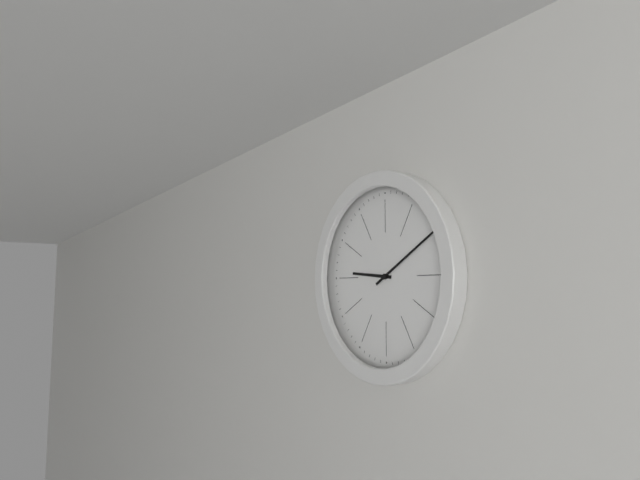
9:10
